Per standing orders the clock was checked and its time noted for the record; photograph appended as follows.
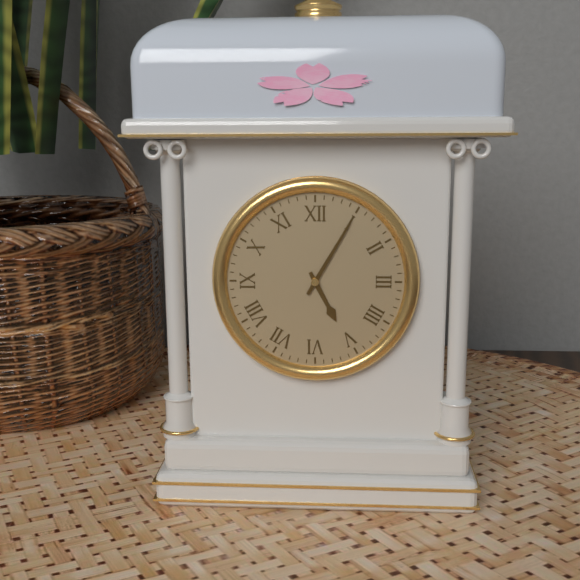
5:05
